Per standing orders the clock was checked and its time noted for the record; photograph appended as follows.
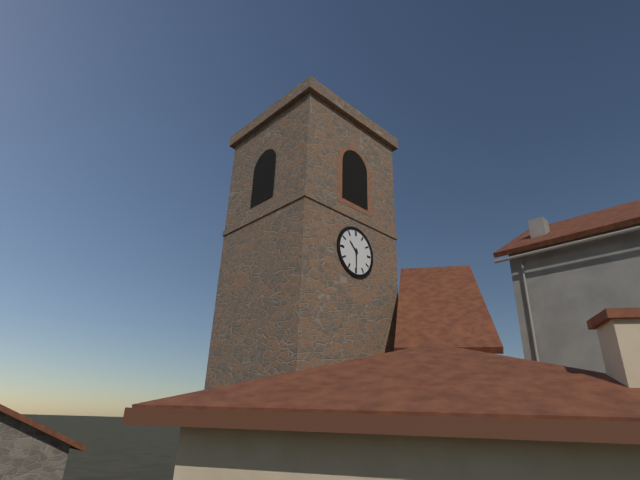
10:30
